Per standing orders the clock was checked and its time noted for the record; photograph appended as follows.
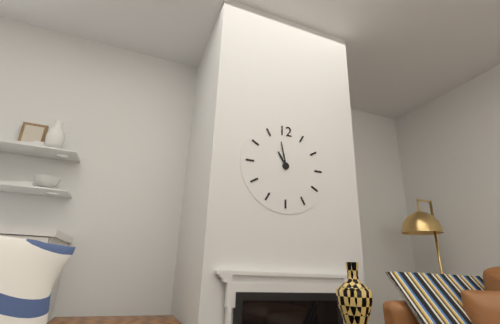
10:58
